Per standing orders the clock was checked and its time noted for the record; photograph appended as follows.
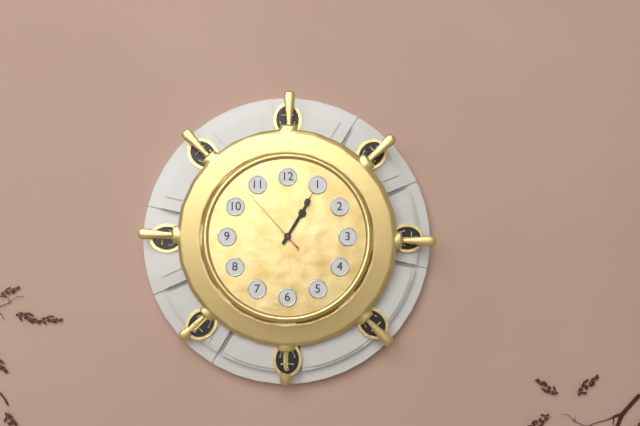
1:05:53
